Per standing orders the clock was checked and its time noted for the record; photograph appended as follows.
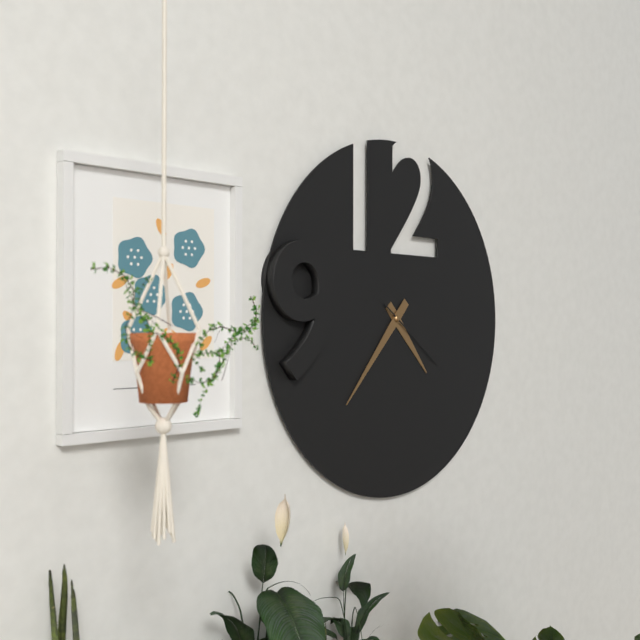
4:37:21
